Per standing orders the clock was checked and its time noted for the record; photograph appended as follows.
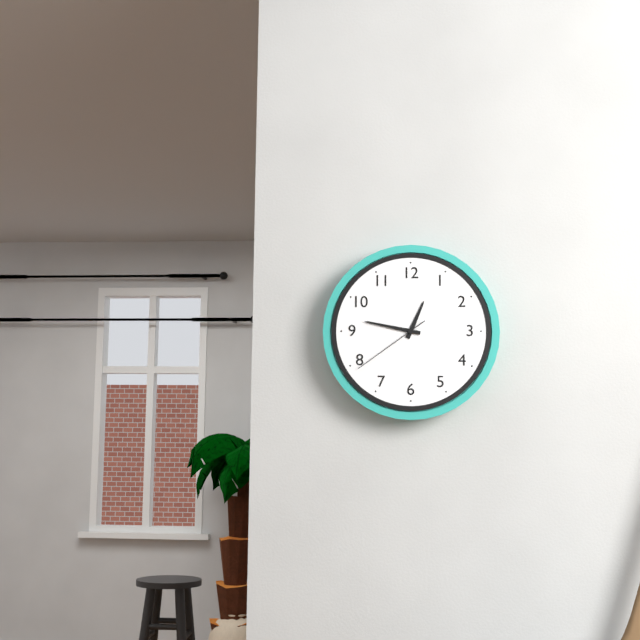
12:47:39
